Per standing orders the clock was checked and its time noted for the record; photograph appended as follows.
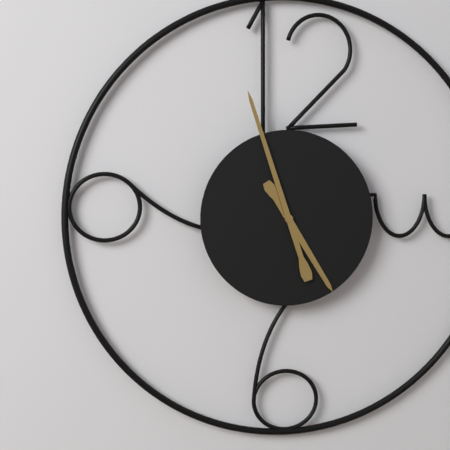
4:57
